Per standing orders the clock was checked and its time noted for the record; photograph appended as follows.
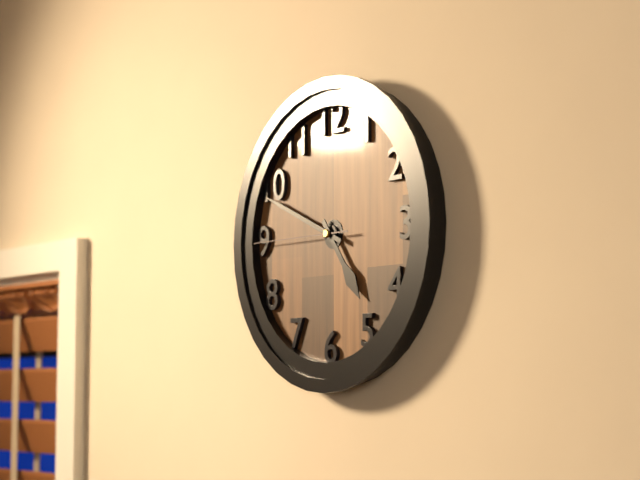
4:49:45
